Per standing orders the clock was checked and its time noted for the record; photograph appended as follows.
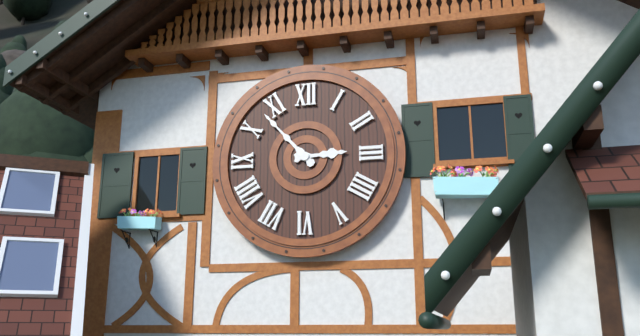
2:53
